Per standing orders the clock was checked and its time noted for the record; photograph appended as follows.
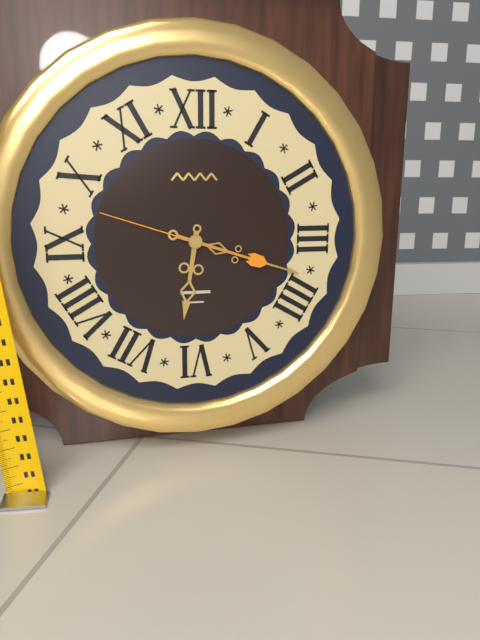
6:18:48
